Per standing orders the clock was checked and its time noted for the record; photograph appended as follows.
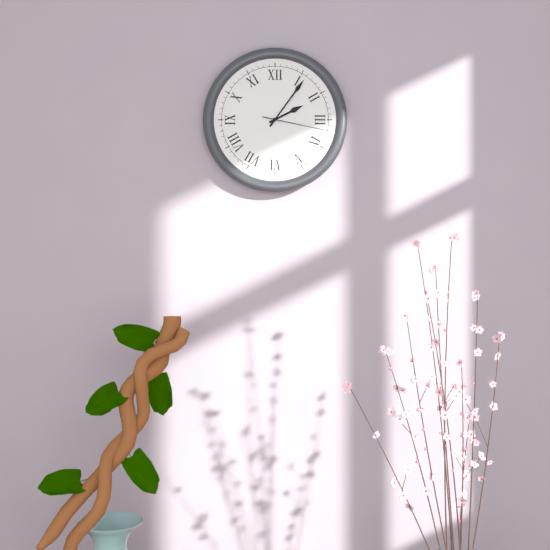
2:06:17
